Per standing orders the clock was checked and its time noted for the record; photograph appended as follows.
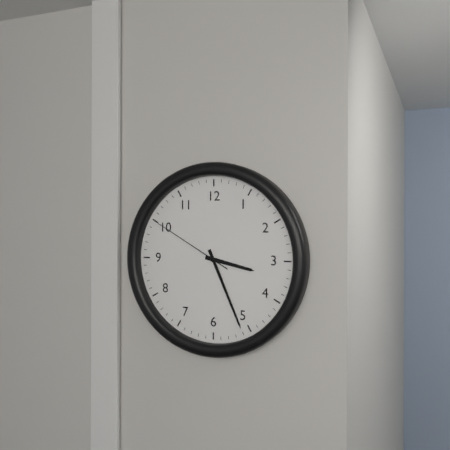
3:26:50
